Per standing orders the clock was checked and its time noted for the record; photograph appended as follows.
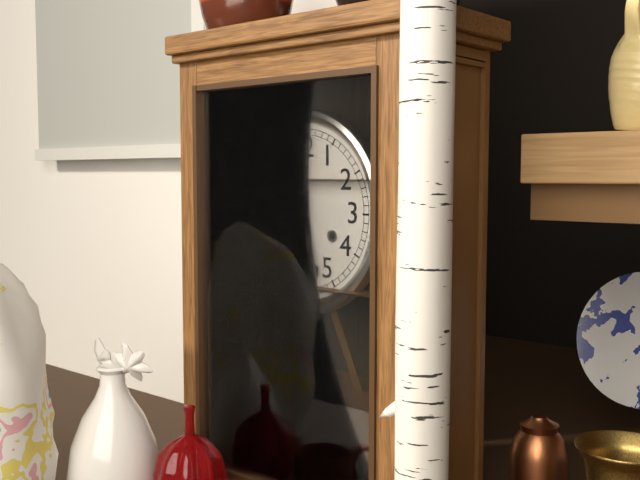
6:27
